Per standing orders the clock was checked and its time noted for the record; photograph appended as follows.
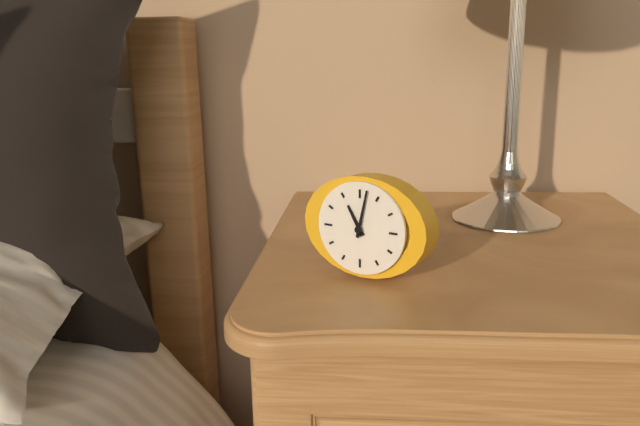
11:02
